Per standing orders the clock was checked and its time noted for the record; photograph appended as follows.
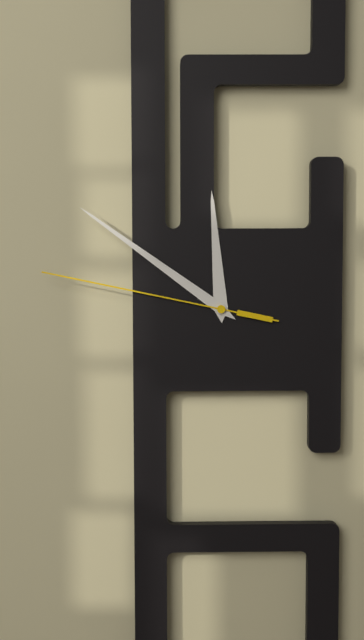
11:51:47
